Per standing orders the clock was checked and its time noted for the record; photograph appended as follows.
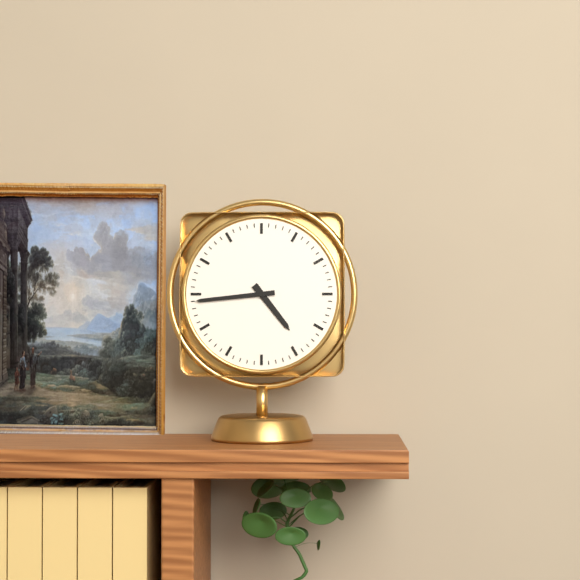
4:44
